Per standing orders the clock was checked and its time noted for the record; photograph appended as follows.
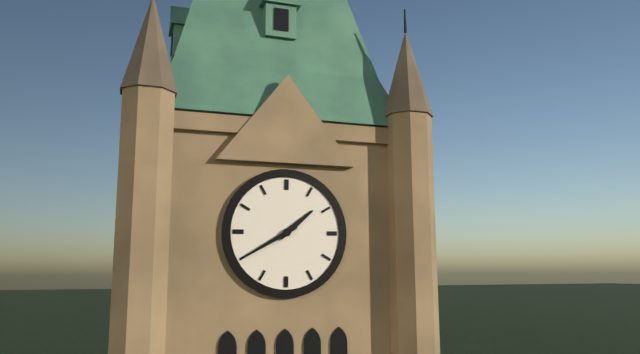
1:40
